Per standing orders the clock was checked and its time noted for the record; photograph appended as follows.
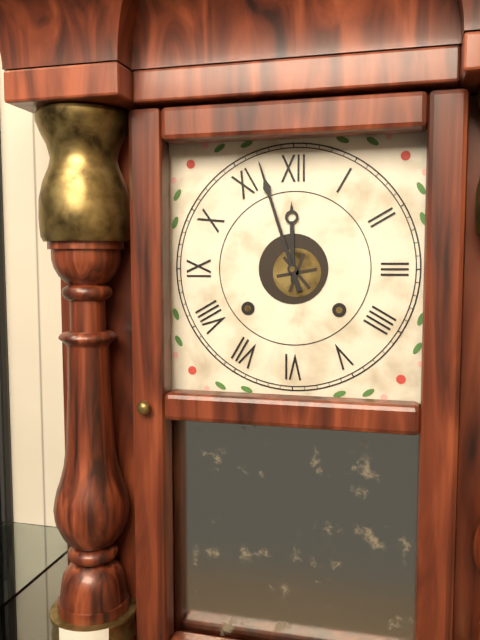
11:57
